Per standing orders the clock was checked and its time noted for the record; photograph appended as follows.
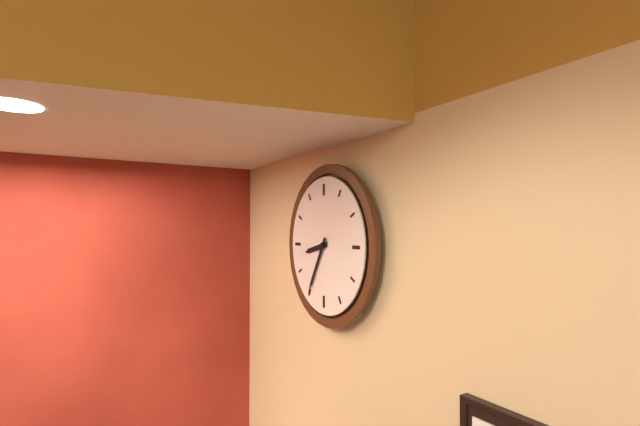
8:35
